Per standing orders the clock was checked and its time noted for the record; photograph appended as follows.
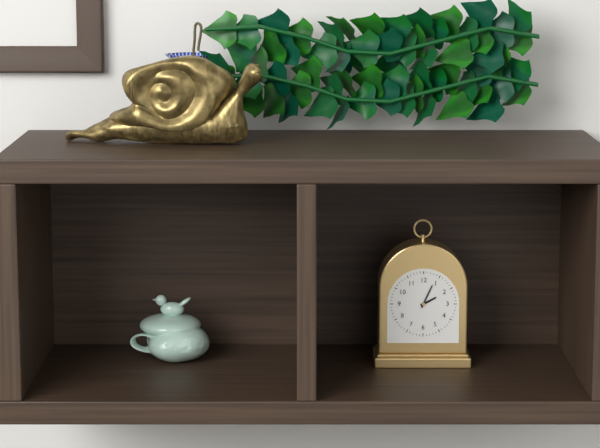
2:04
